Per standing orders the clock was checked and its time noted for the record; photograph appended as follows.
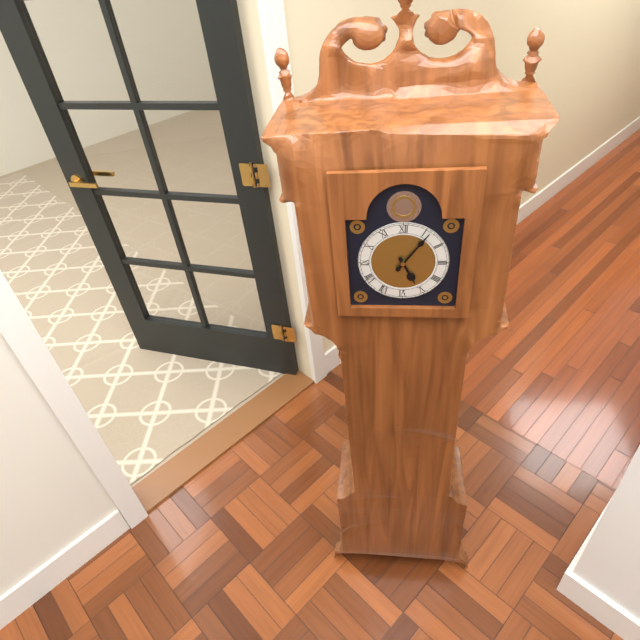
5:06
